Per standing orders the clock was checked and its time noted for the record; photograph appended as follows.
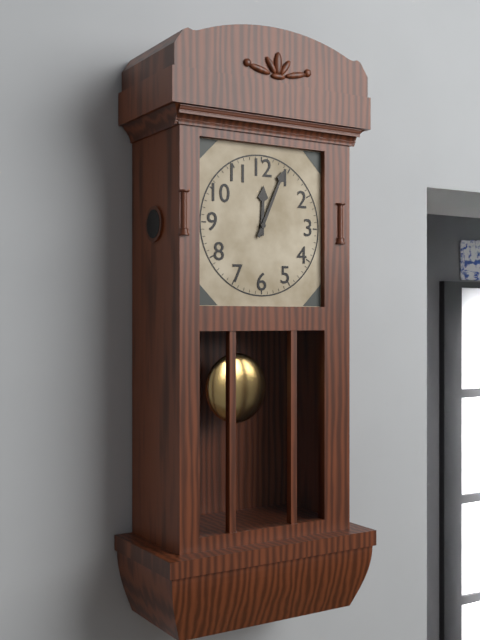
12:04
